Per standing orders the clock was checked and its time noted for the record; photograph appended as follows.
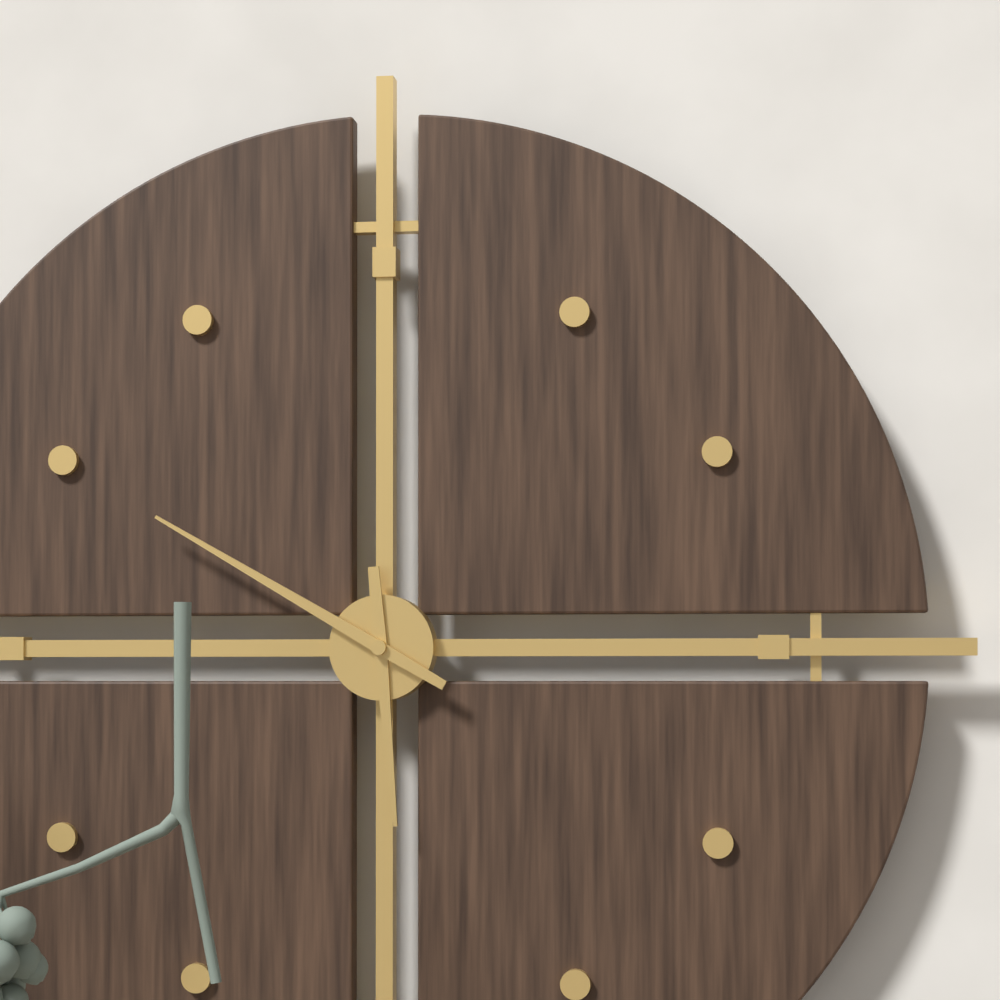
5:50
